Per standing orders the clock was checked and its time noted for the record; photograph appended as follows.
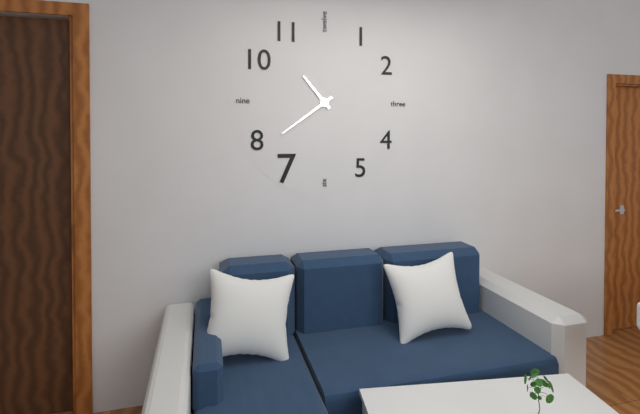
10:39
